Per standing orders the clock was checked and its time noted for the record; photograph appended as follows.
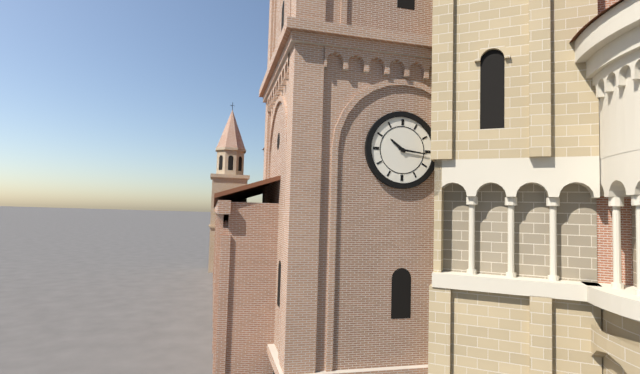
10:16
